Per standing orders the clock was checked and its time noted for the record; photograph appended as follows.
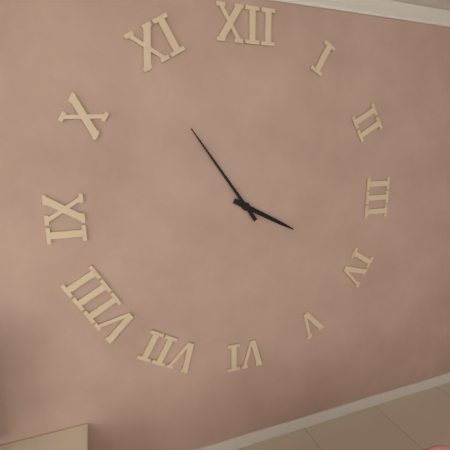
3:54
